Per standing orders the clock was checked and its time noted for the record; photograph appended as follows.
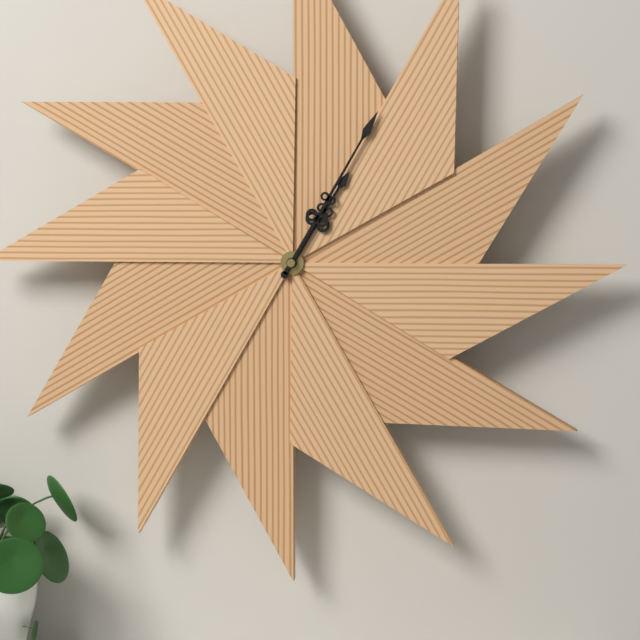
1:05
